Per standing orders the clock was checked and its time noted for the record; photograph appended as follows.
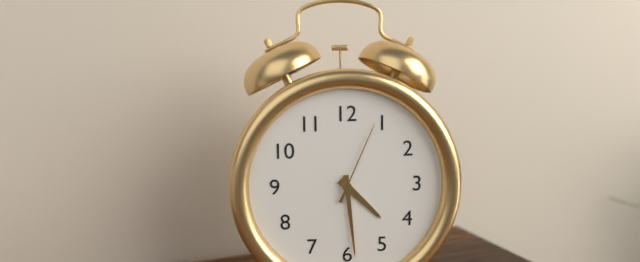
4:29:04
